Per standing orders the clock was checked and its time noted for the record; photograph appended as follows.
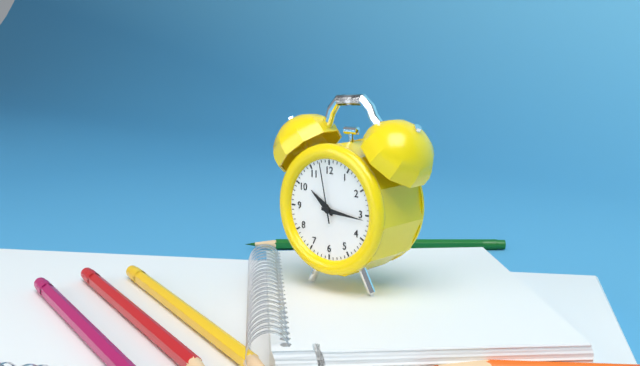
10:16:58
